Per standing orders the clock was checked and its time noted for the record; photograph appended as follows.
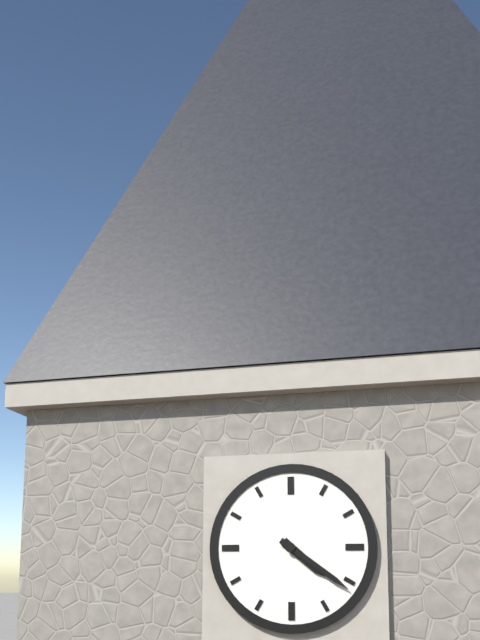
4:21
